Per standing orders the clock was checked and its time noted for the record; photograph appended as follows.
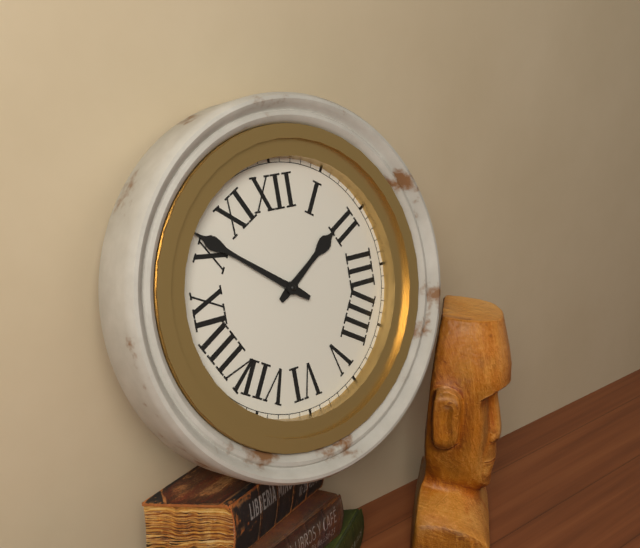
1:51
